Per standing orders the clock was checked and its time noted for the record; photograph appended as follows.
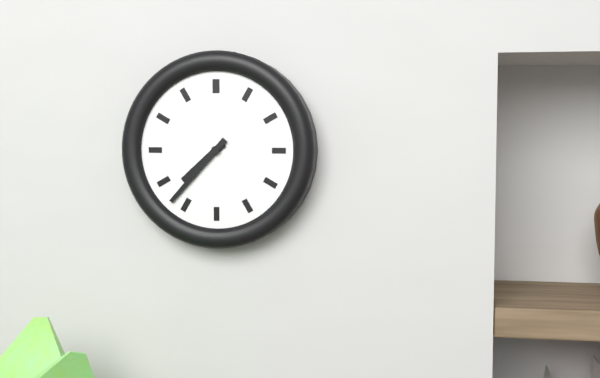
7:37
